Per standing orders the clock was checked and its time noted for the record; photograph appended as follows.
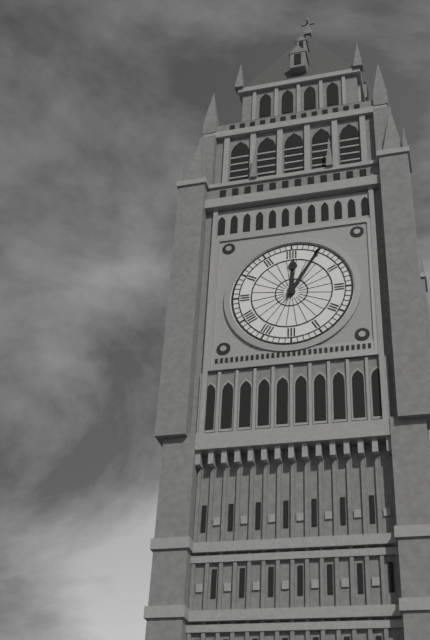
12:05
